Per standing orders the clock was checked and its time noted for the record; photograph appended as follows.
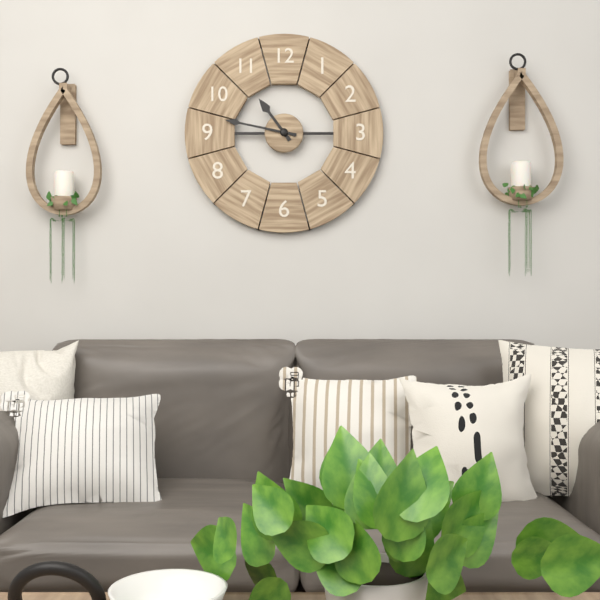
10:47
